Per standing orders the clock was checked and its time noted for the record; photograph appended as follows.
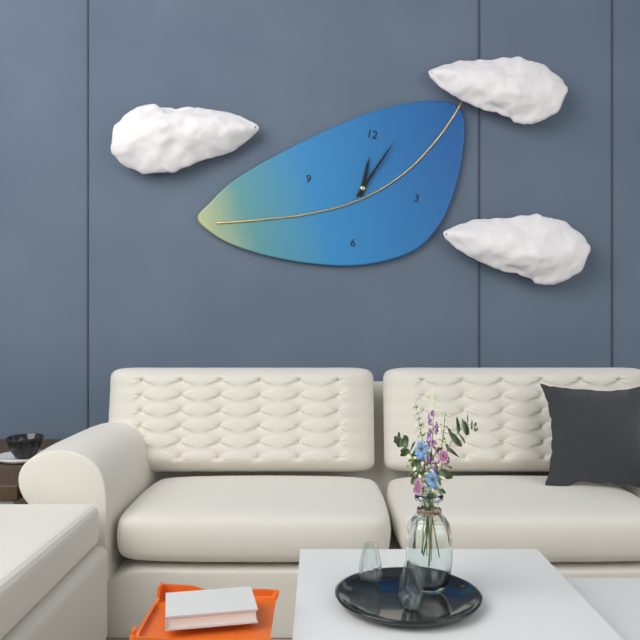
12:04
